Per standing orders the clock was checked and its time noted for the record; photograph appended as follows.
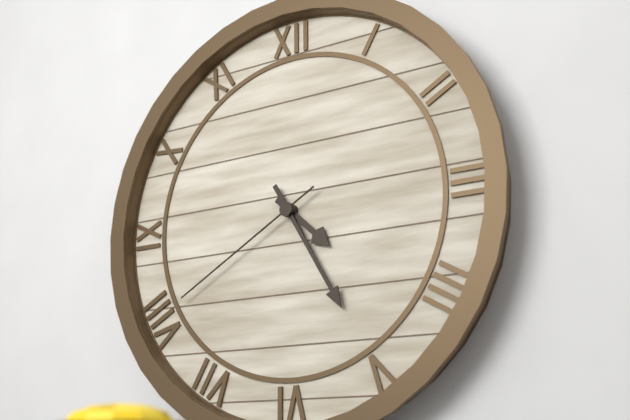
4:25:40
